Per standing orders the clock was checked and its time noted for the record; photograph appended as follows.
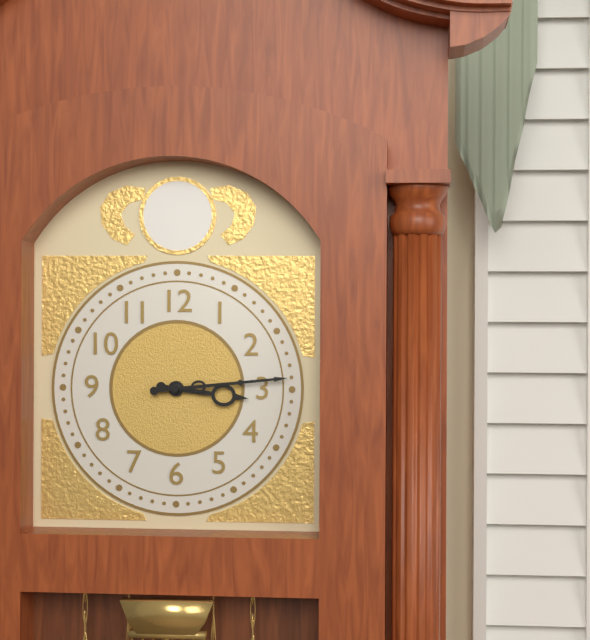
3:14
